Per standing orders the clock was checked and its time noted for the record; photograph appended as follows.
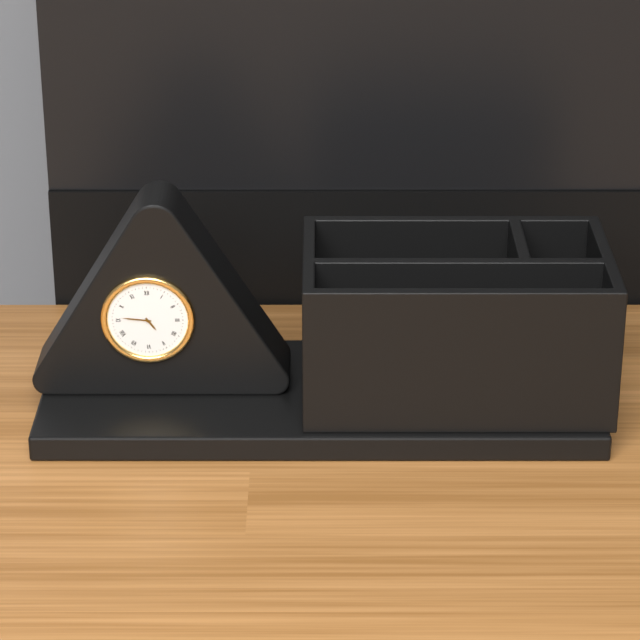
4:46
